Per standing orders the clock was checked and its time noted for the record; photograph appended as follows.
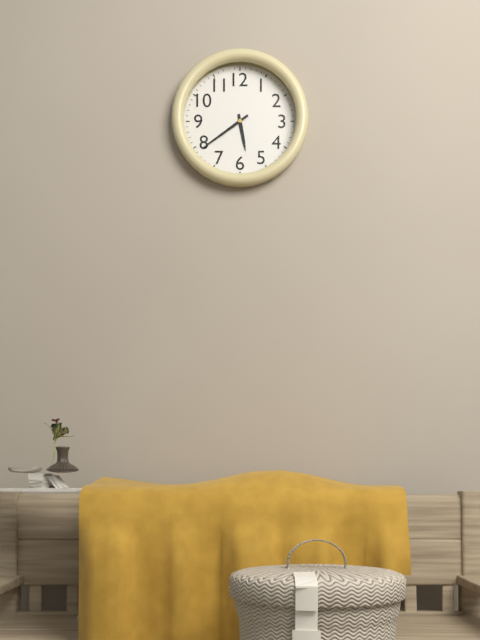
5:39
